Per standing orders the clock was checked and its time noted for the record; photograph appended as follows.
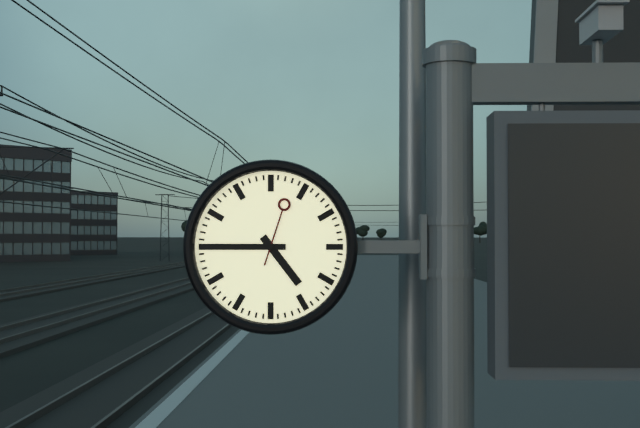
4:45:03
